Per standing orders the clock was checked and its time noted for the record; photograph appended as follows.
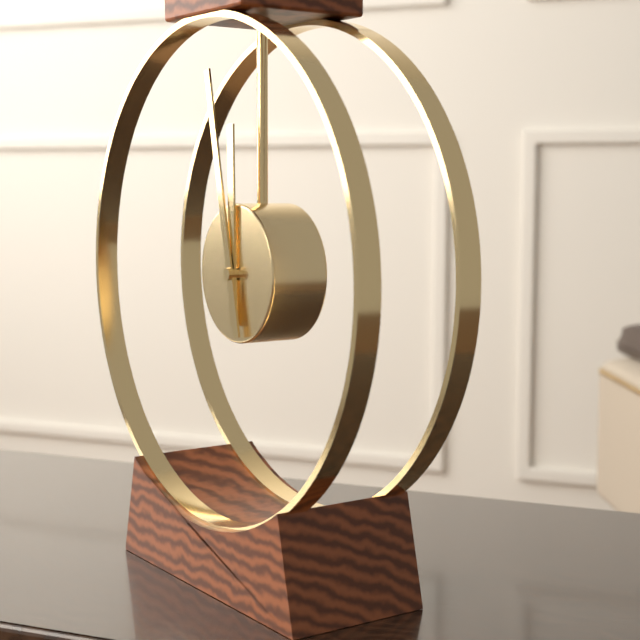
11:58
